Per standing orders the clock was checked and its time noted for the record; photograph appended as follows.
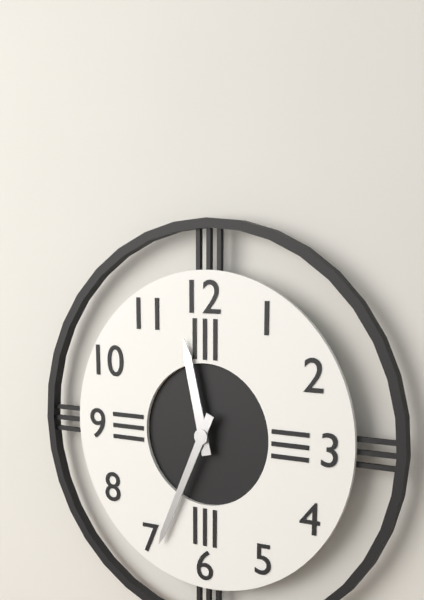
11:34
